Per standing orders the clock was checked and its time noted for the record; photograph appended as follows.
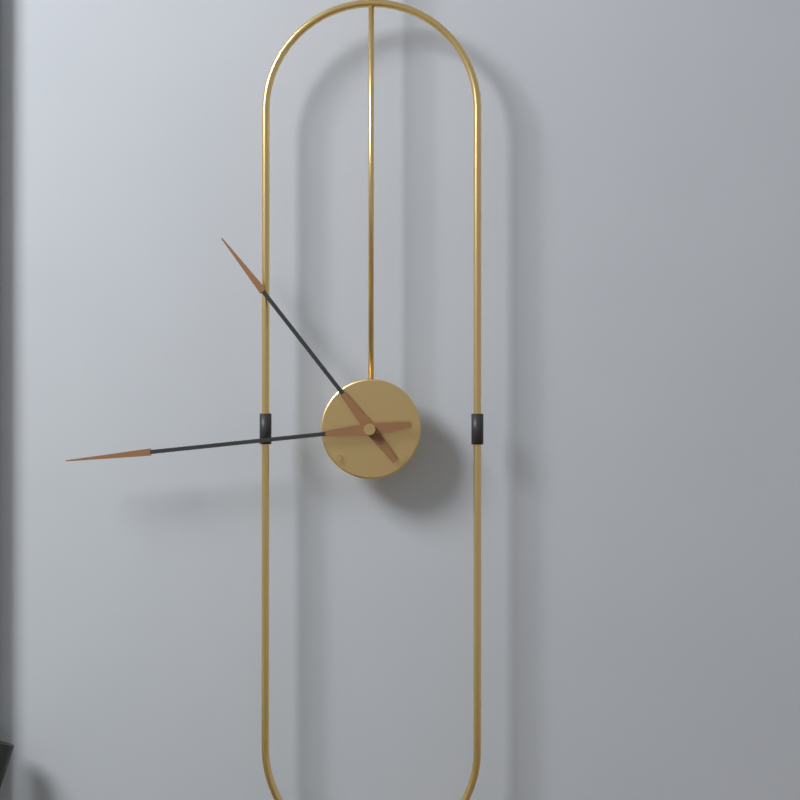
10:44
